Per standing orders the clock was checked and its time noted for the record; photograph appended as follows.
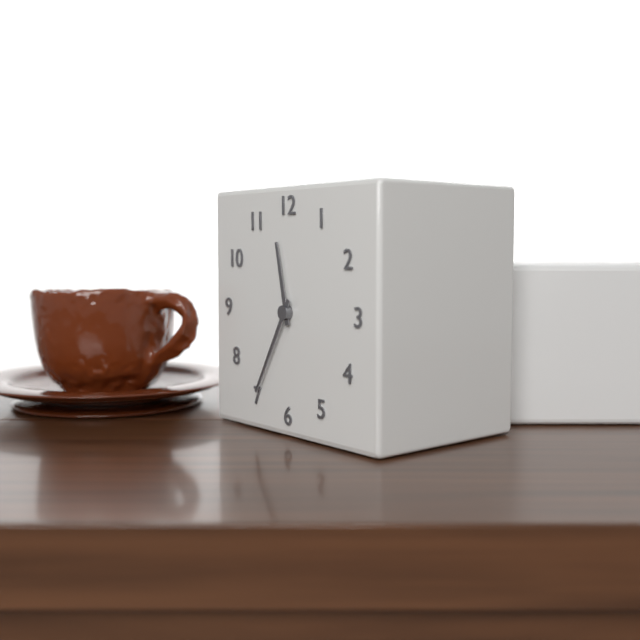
11:35
